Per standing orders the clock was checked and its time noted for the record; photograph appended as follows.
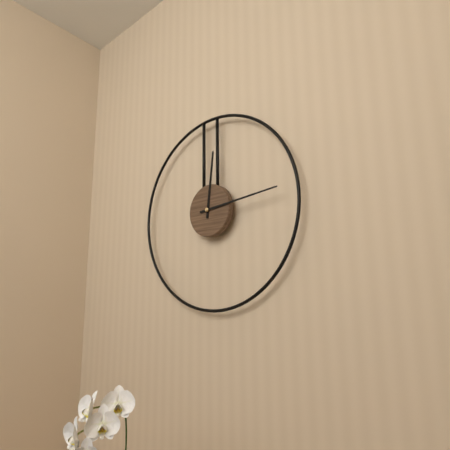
12:14
